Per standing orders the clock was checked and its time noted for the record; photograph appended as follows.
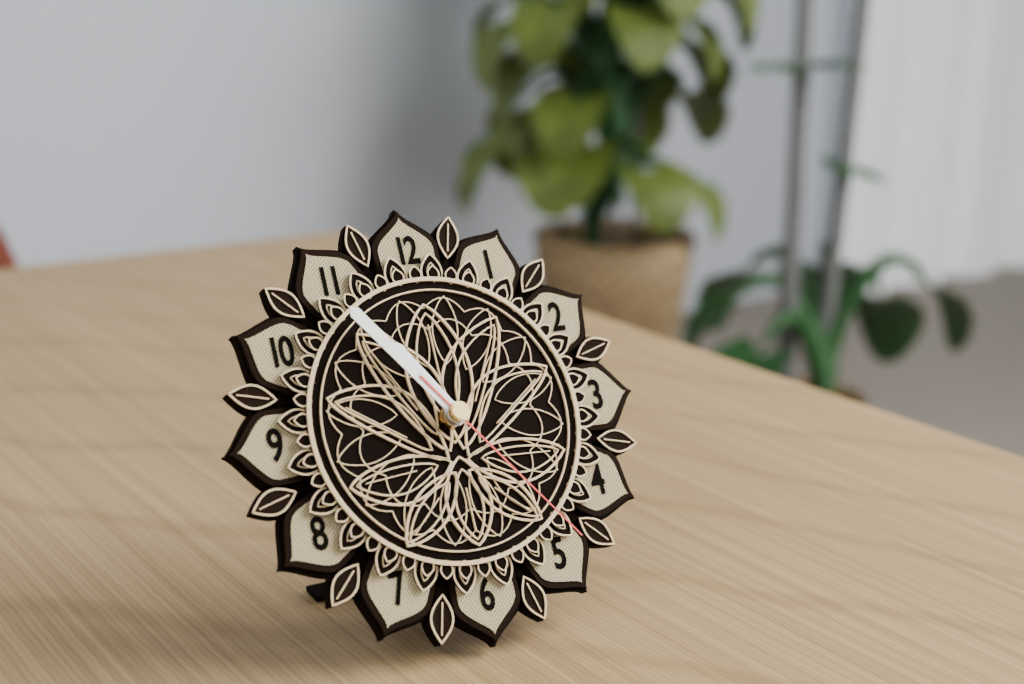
10:54:24
